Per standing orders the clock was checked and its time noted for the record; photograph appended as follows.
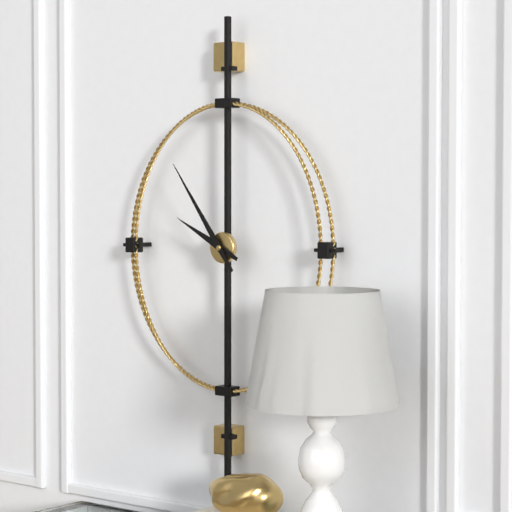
9:54
